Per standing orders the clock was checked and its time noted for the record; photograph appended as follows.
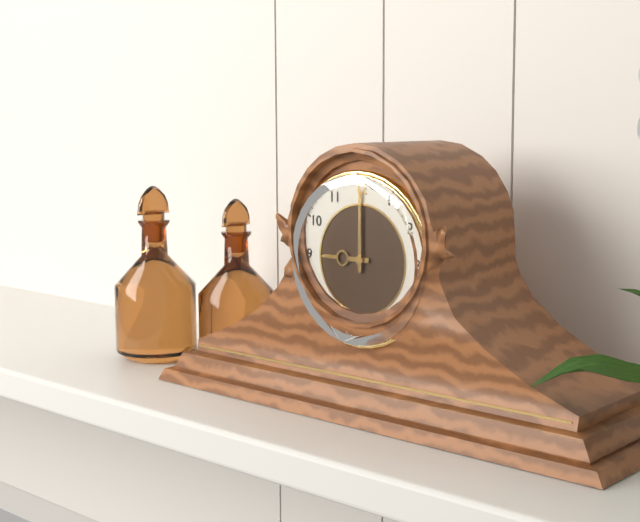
9:00
